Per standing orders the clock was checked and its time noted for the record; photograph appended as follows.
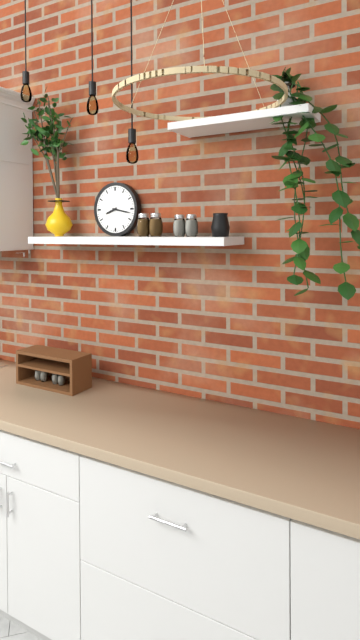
8:17
